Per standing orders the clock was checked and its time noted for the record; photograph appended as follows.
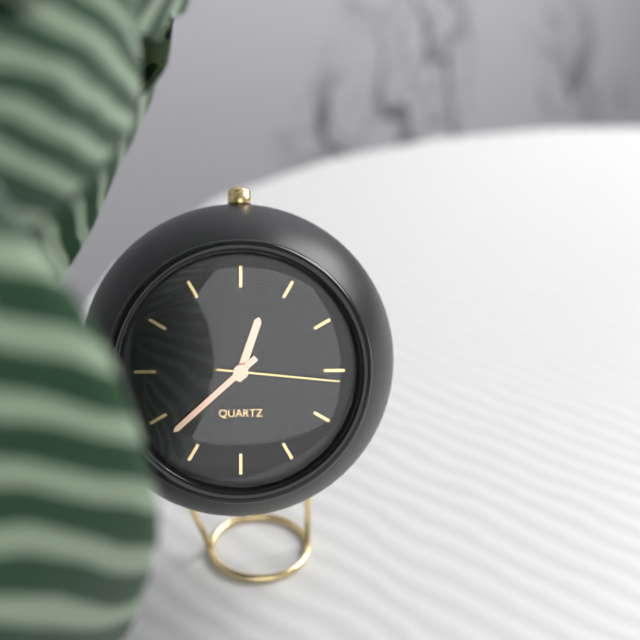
12:38:16
